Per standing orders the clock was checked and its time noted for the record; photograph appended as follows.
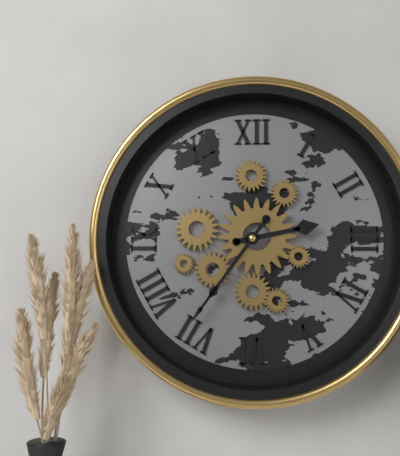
2:36
